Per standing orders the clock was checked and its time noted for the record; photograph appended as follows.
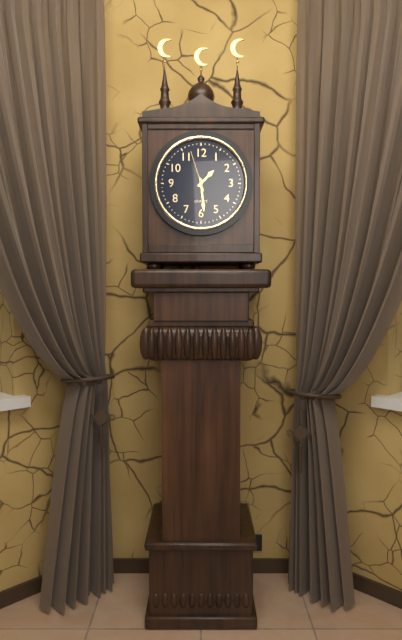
1:29
